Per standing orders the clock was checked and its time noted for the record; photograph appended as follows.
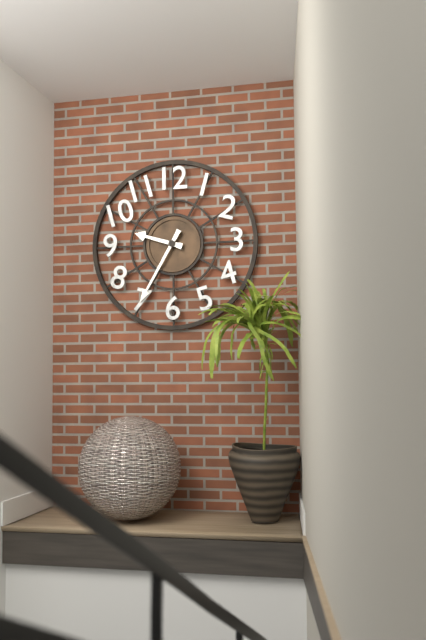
9:35
